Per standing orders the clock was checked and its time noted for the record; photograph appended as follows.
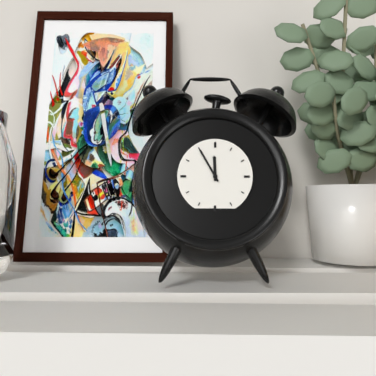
11:55
